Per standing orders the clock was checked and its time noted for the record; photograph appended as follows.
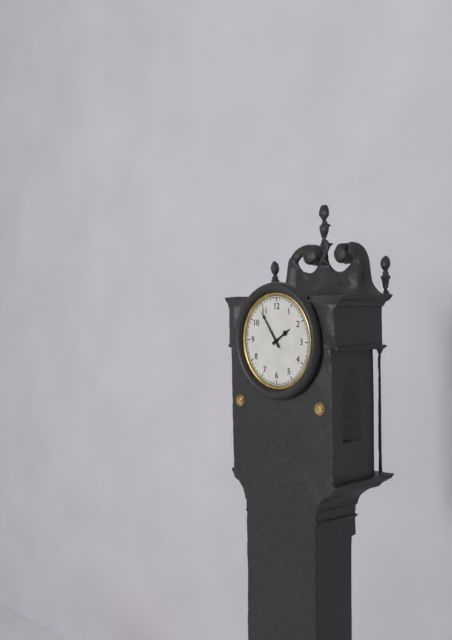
1:54
